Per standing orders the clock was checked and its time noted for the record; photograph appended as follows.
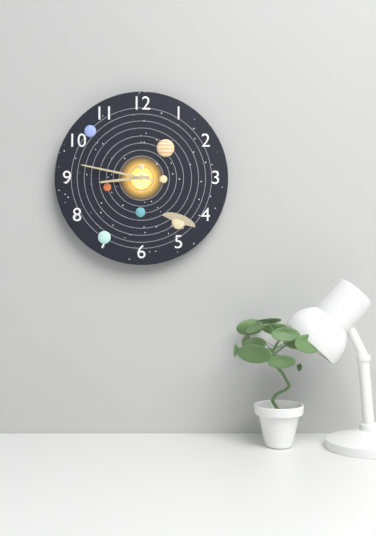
8:47
